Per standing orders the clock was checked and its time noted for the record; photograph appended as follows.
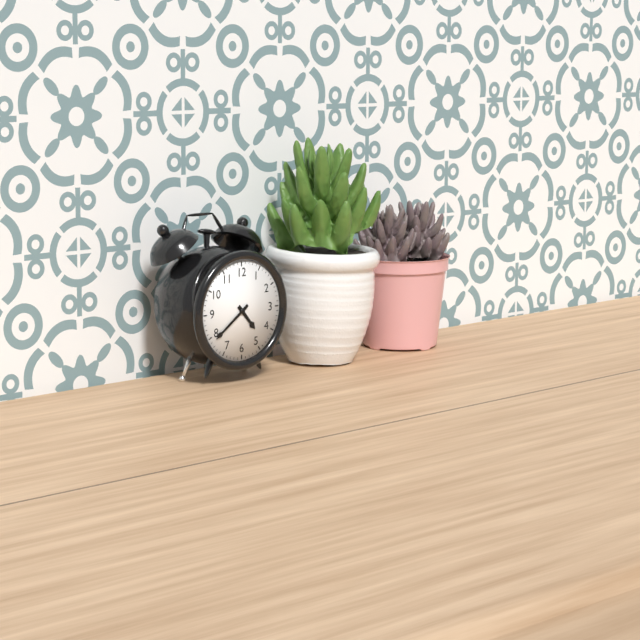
4:39
